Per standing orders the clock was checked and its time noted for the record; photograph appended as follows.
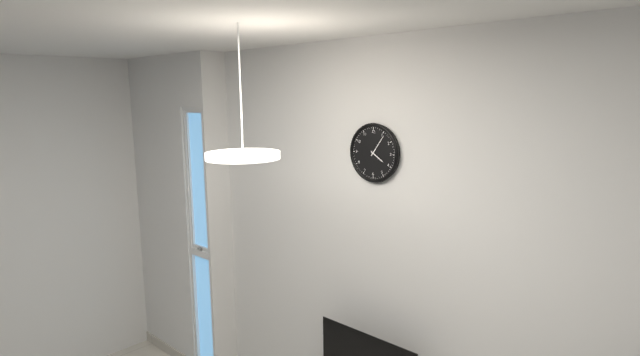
4:06
